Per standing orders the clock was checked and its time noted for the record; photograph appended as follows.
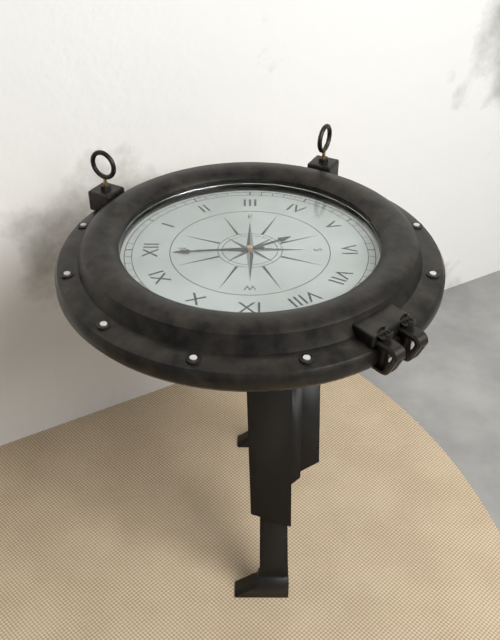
4:59
